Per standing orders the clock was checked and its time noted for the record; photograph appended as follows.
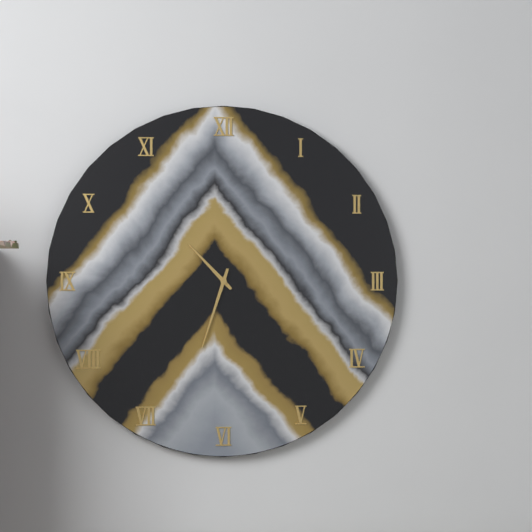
10:33
